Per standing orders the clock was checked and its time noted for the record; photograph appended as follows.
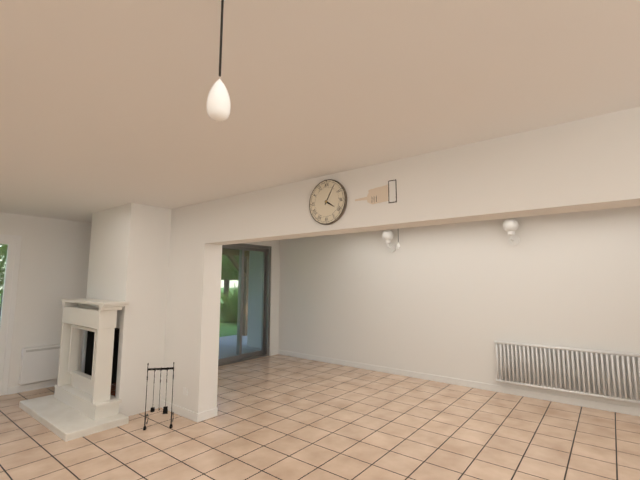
4:05
